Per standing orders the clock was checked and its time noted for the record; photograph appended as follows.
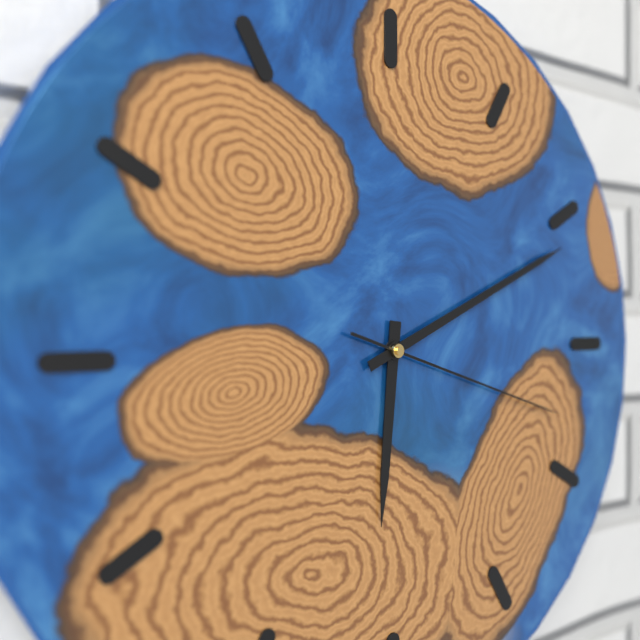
6:11:18
